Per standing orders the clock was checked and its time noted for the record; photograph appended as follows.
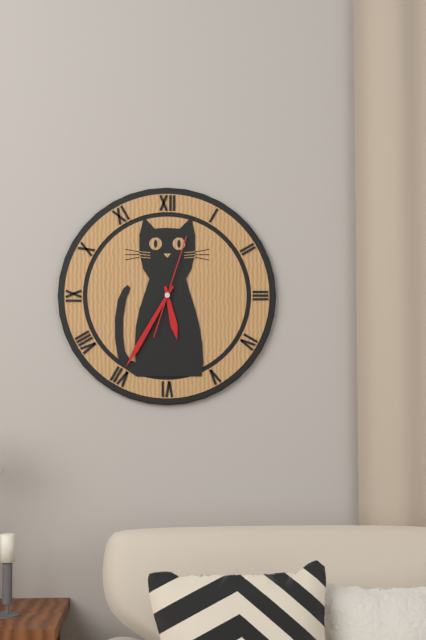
5:35:03
